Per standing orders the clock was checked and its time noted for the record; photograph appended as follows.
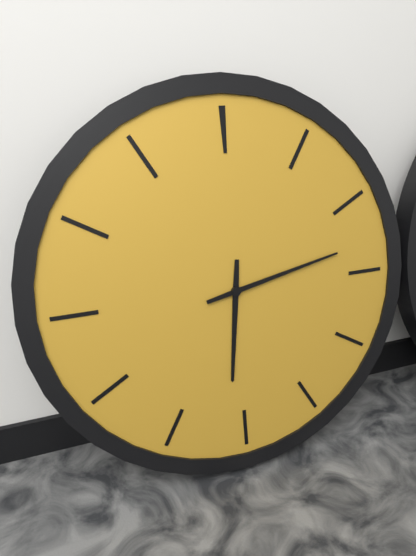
6:13
